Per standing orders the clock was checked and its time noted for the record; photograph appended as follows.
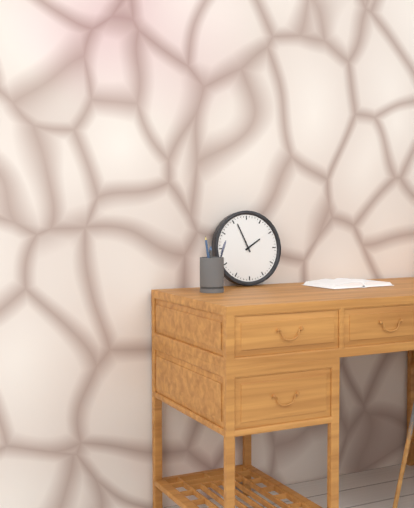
1:56
